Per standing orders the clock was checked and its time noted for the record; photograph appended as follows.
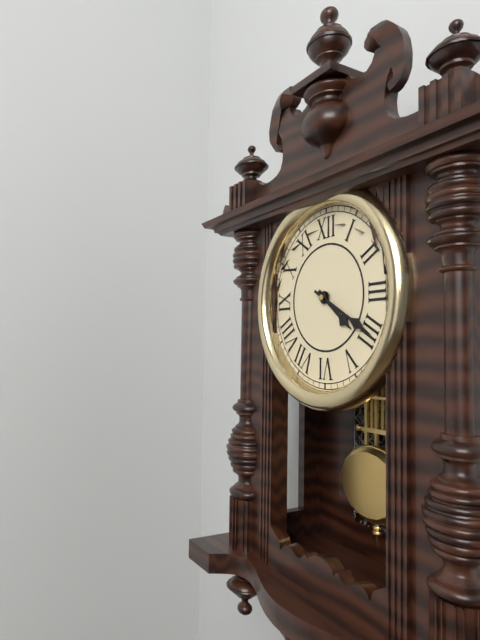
4:20
